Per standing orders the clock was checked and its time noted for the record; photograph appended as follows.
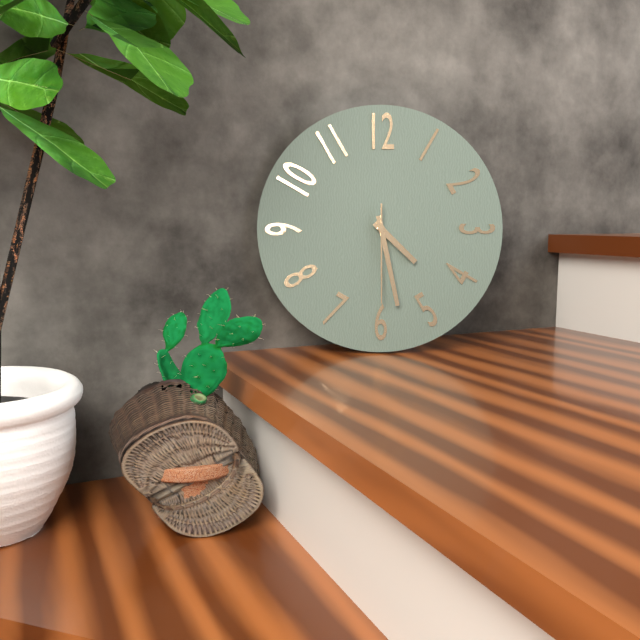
4:28:30
